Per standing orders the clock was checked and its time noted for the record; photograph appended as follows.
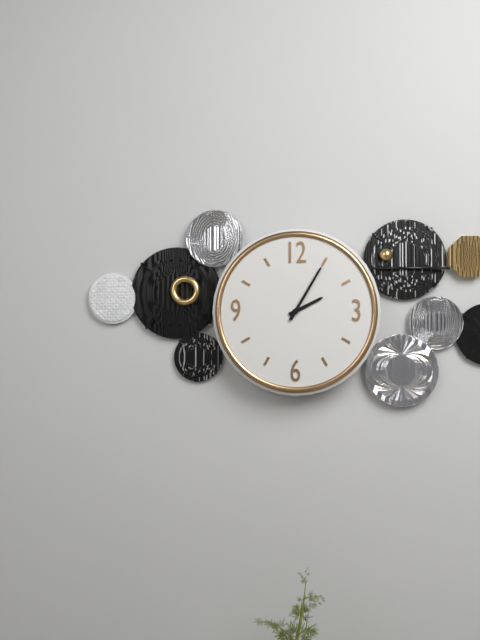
2:05
